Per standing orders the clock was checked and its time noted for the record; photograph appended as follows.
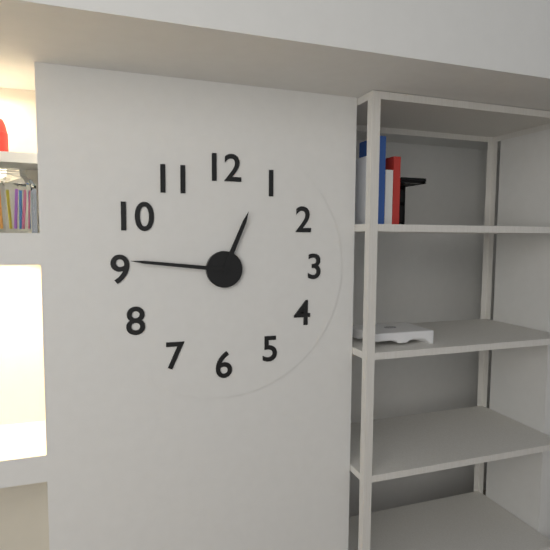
12:46
